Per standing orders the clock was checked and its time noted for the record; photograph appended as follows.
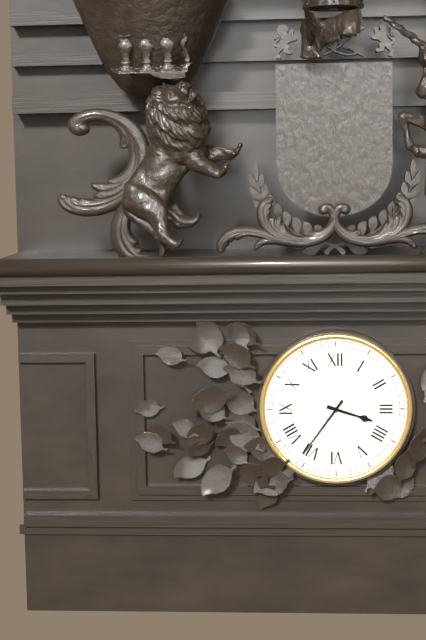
3:36
